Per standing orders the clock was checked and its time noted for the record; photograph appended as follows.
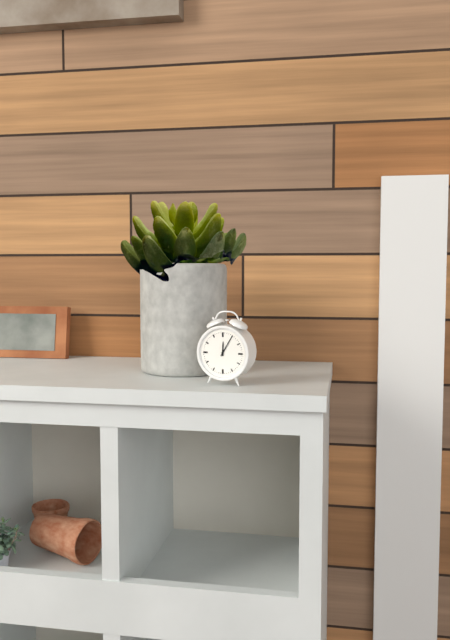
12:05
